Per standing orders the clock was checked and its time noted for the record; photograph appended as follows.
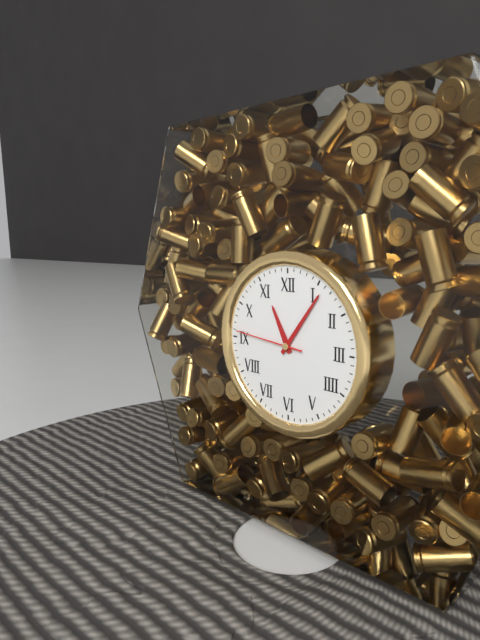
11:06:46
